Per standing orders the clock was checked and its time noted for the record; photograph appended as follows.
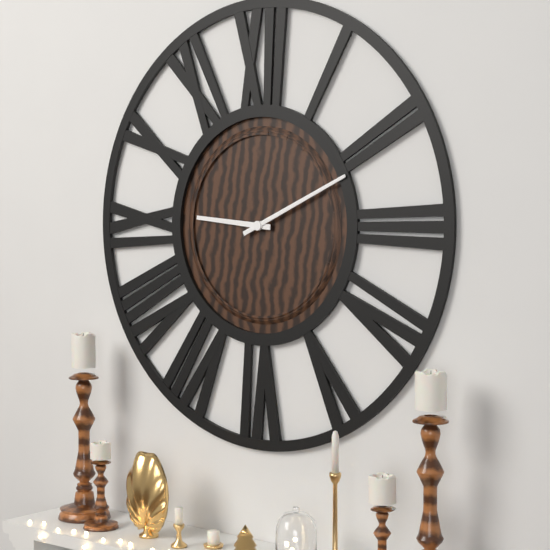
9:11
